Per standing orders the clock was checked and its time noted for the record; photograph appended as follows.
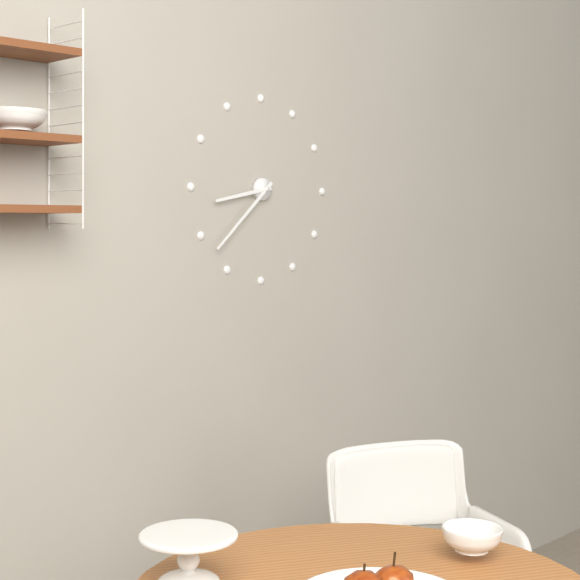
8:38
